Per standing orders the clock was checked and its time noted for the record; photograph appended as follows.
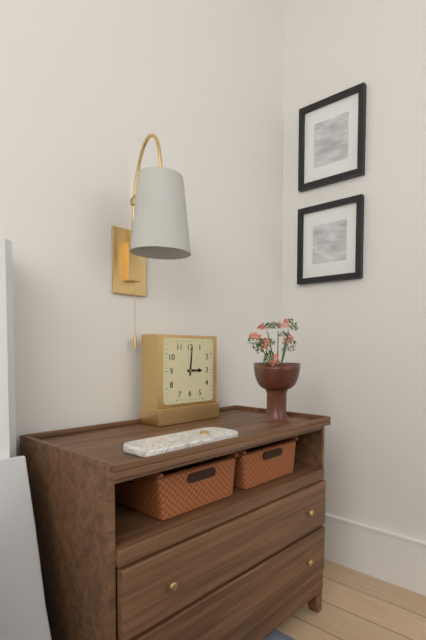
3:01
